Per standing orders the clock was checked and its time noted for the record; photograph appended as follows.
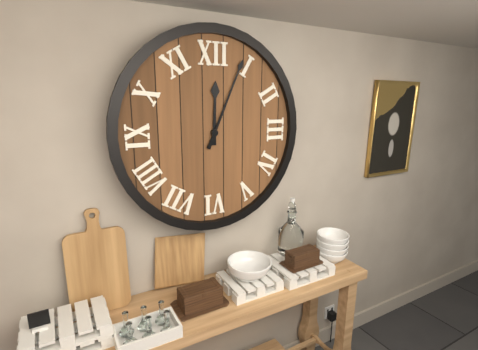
12:04
